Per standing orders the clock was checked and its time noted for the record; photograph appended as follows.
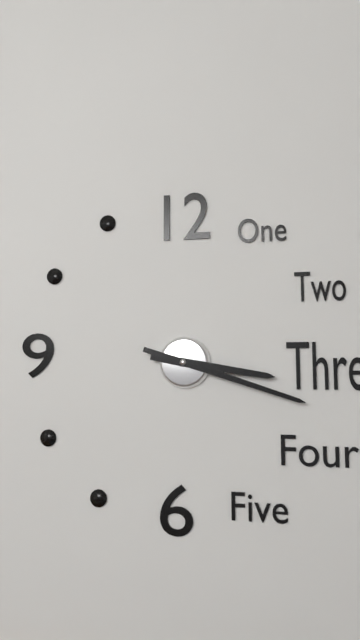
3:18
